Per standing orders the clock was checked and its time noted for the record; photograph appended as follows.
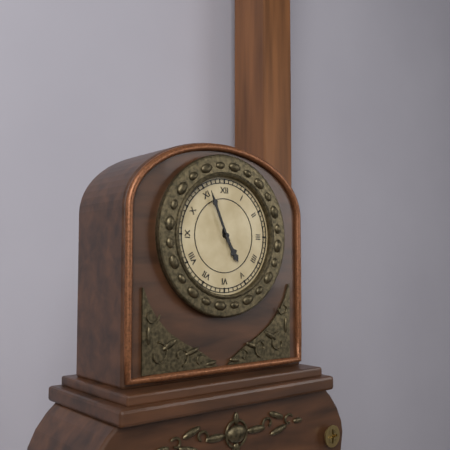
4:56
